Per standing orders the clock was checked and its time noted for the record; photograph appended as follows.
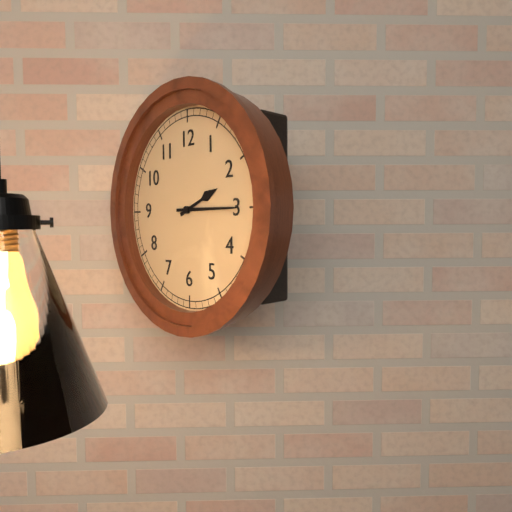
2:15
